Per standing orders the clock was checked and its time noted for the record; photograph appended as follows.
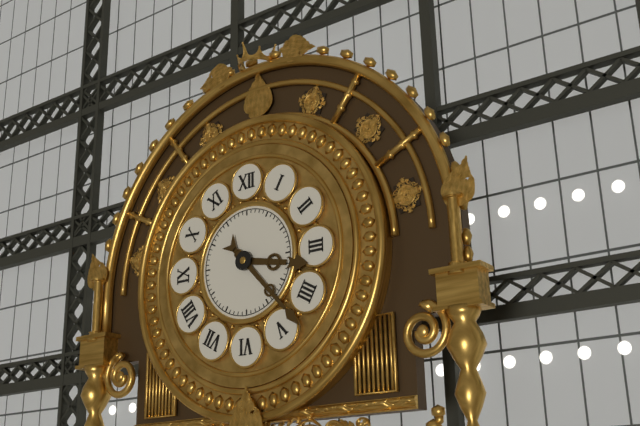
3:23
